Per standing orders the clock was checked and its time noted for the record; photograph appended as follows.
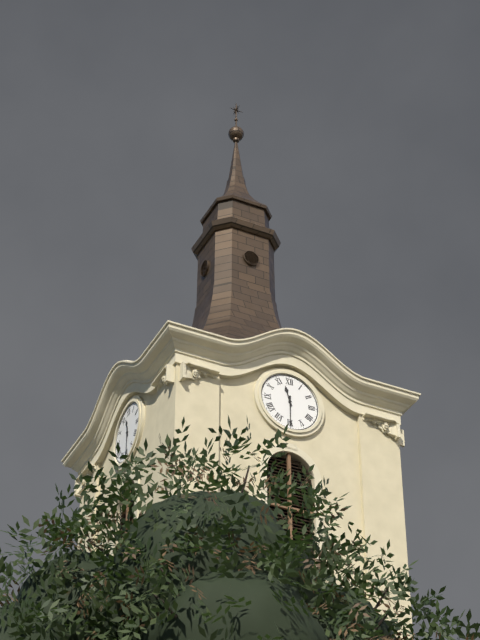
11:30
